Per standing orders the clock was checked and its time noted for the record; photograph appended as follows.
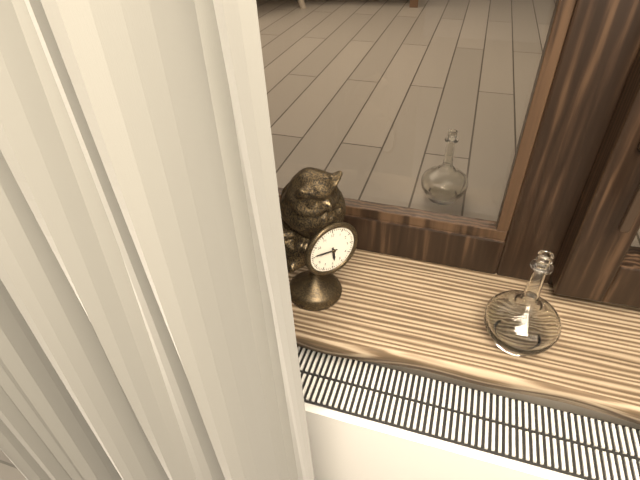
5:46
